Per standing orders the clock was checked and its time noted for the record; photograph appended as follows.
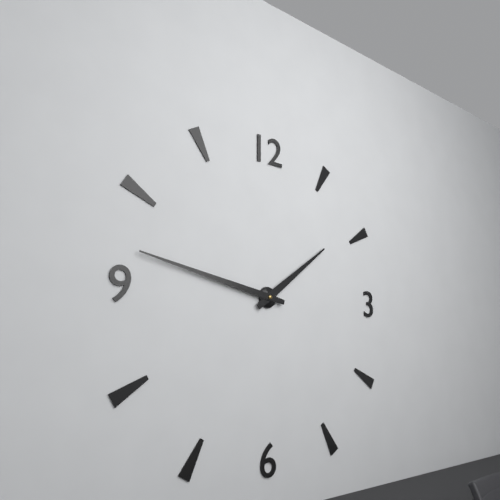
1:47
